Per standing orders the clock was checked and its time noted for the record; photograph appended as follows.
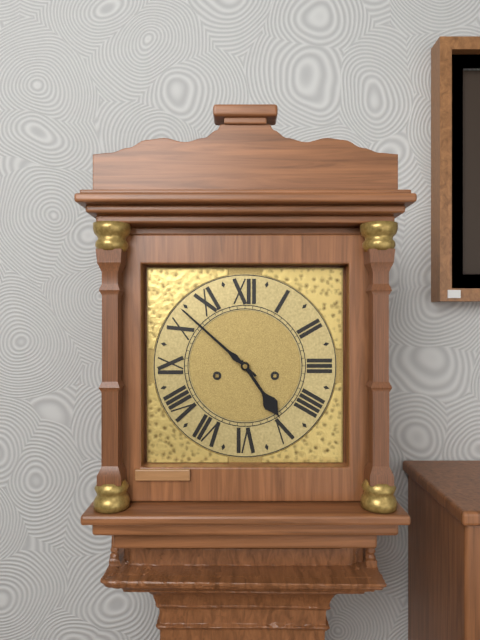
4:52
